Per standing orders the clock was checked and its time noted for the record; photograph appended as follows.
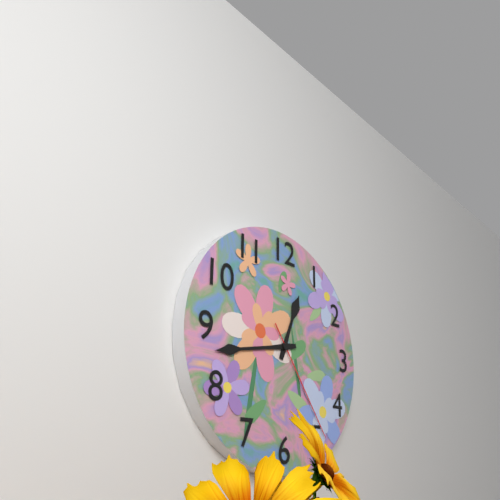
12:43:24
